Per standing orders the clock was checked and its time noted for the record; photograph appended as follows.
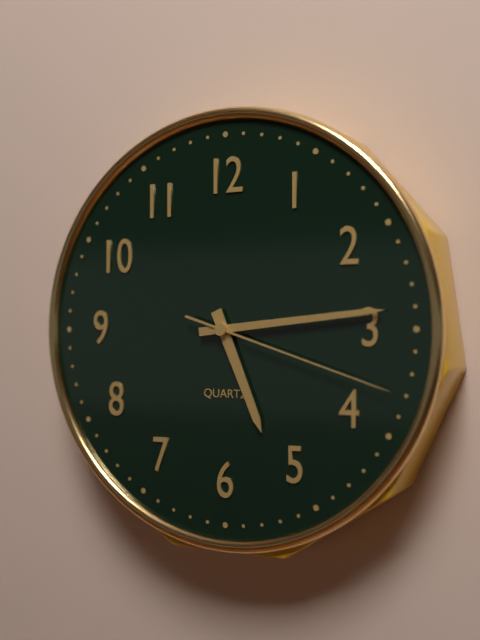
5:14:18
